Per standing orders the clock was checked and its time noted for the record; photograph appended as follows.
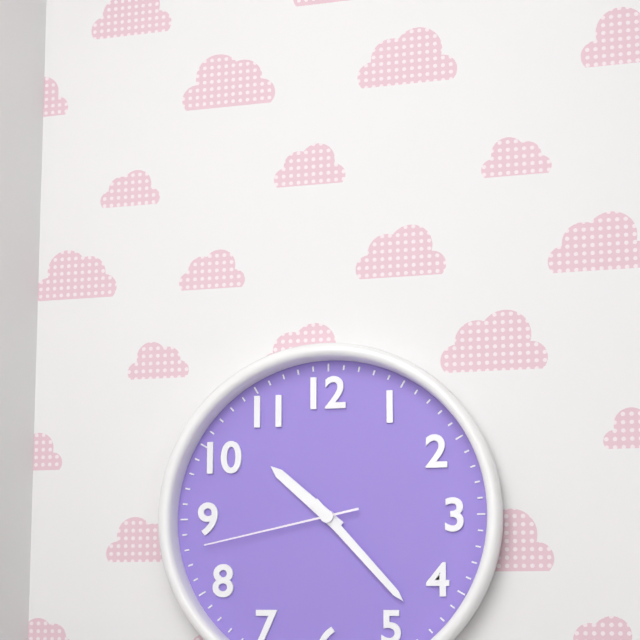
10:23:43
